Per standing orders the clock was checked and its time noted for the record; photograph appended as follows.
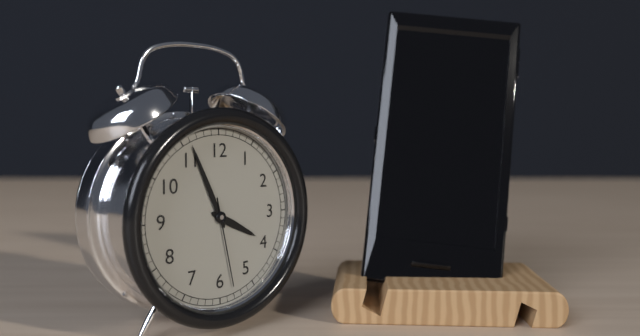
3:56:28
